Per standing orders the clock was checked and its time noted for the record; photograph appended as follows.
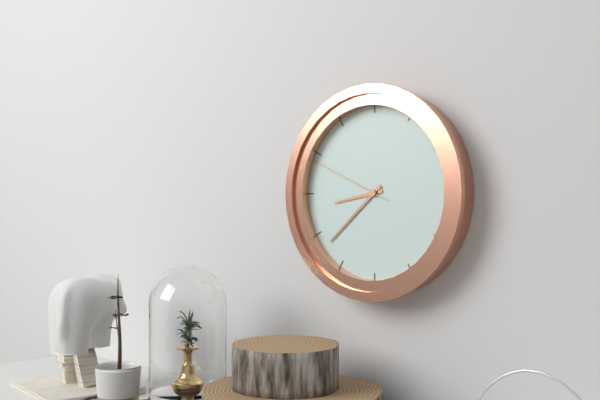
8:38:49
